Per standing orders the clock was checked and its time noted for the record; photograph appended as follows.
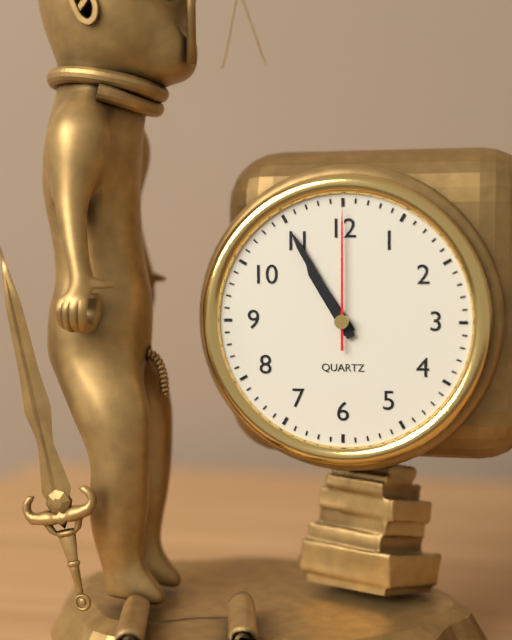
10:55:00
